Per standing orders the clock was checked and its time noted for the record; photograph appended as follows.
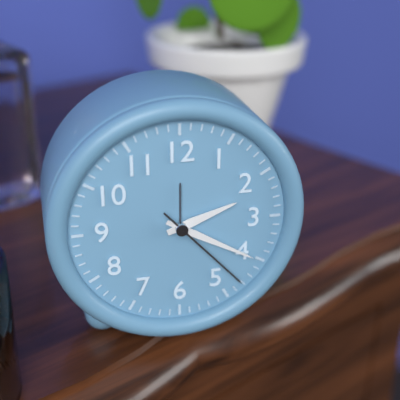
2:20:23
